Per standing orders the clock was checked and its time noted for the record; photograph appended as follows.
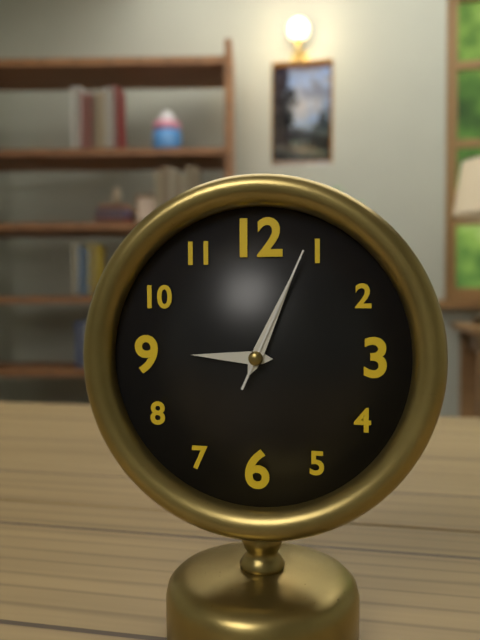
9:04:04
